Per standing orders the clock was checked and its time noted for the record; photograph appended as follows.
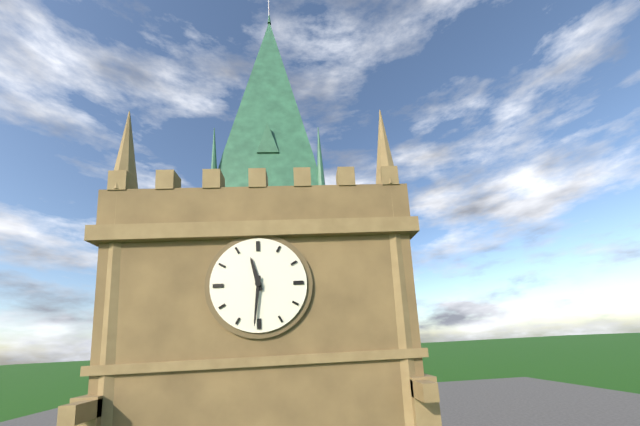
11:31
